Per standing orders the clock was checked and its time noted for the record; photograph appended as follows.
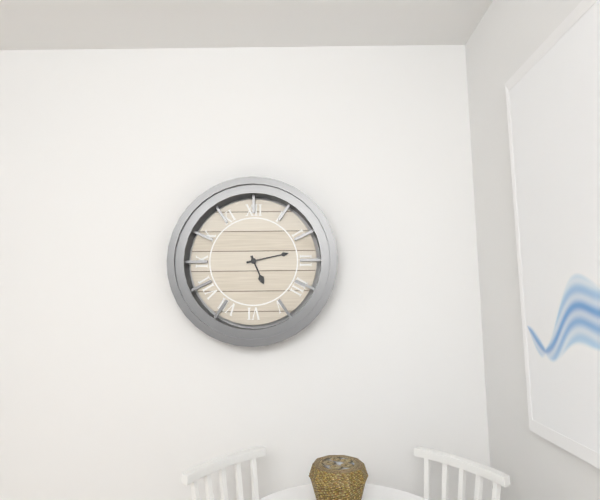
5:13
